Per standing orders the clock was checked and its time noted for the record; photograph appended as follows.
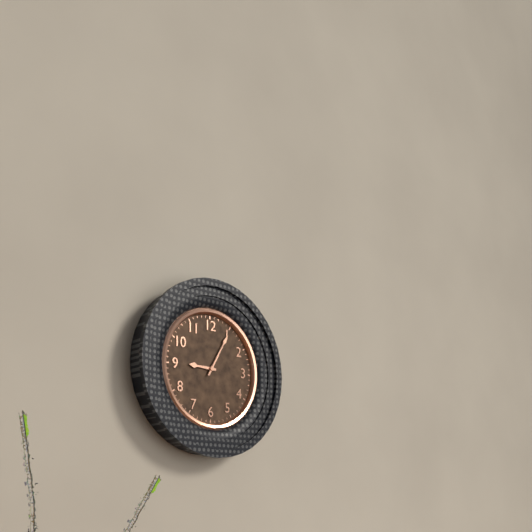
9:05
